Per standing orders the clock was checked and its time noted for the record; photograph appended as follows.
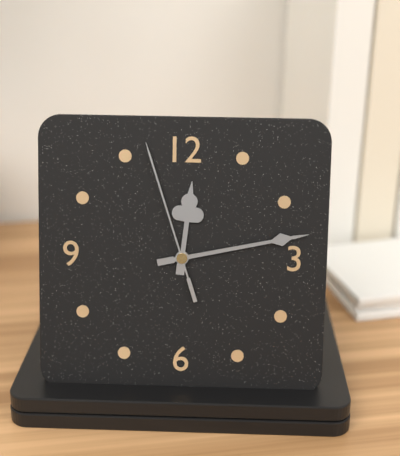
12:13:57
